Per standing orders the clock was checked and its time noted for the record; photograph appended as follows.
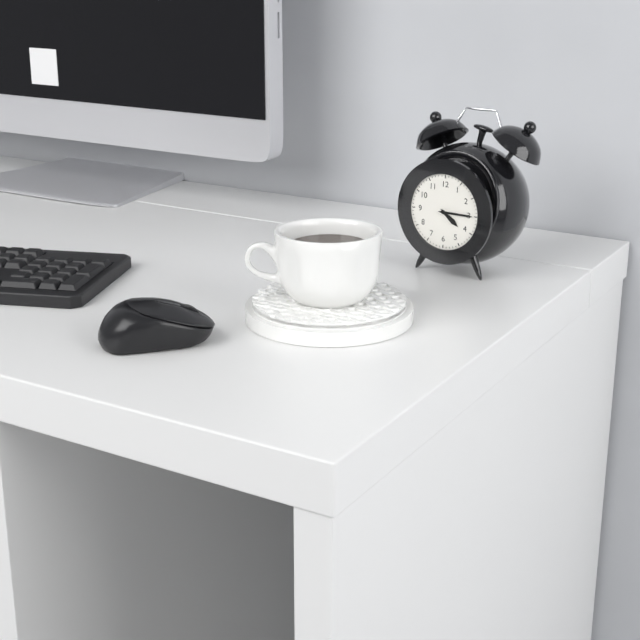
4:15
